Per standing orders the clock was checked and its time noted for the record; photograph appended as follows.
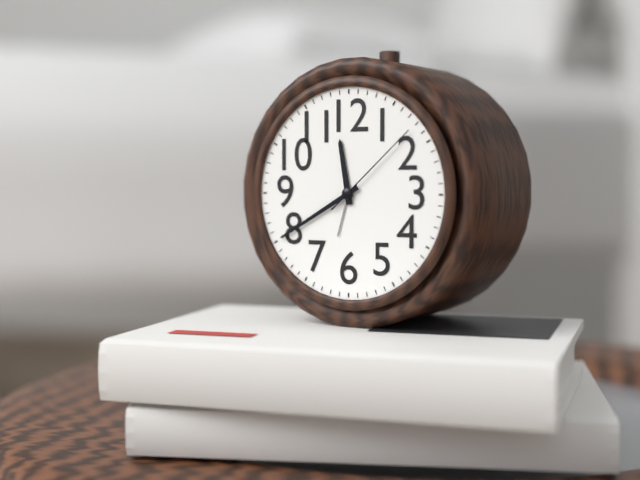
11:40:08
